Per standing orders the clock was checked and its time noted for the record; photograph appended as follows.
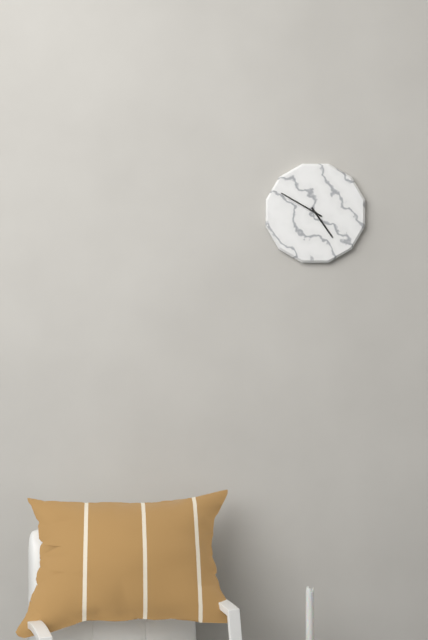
4:50
